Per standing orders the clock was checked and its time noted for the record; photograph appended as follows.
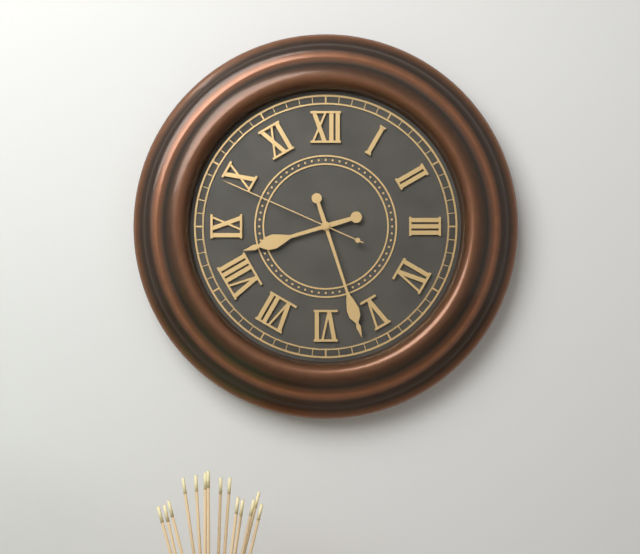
8:27:49
